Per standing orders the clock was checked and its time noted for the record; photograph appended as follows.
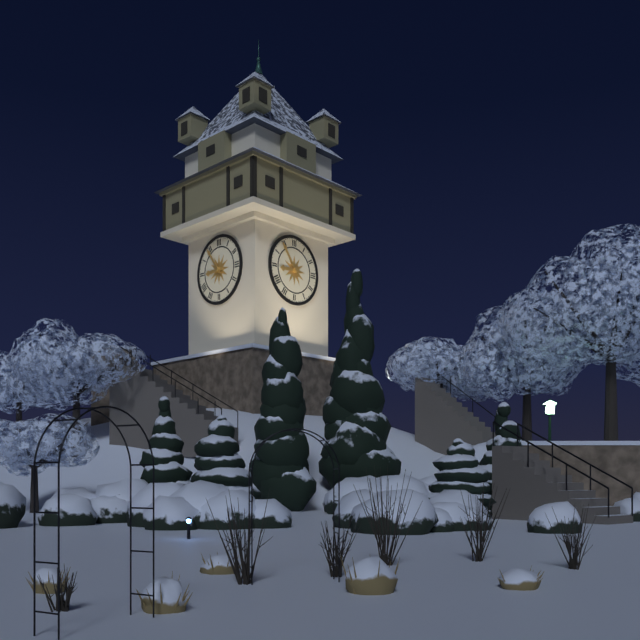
8:54
